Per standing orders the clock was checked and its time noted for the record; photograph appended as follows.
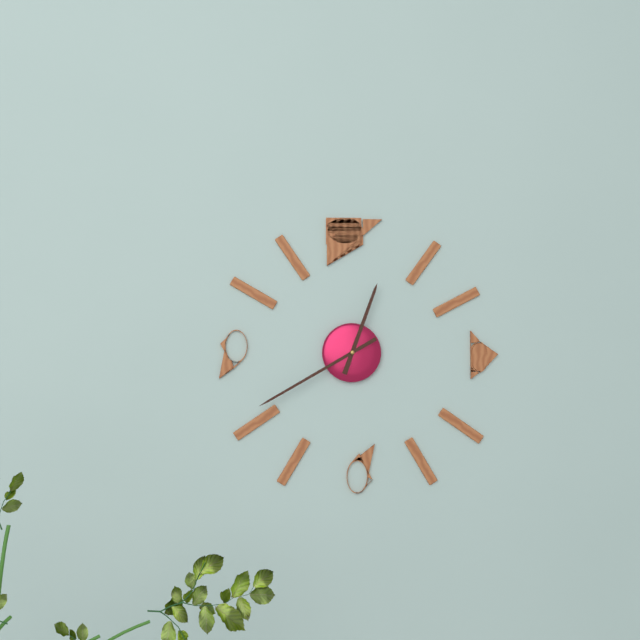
12:40
